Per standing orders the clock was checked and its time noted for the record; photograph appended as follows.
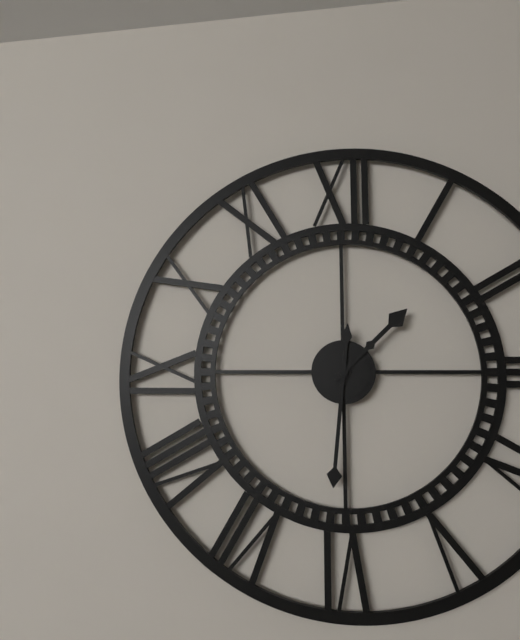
1:31
